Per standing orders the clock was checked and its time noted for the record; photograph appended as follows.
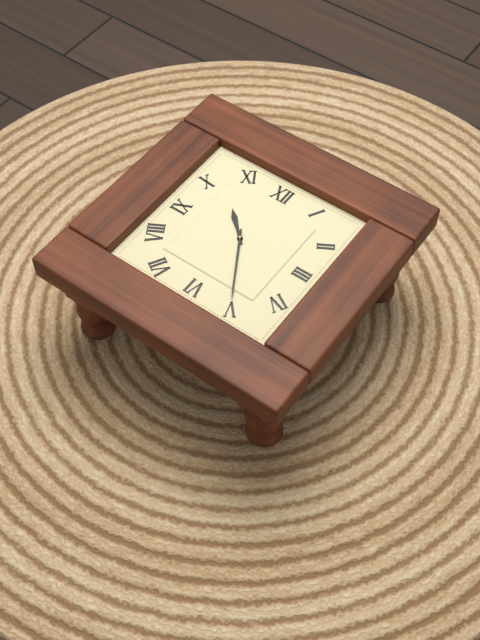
10:25
